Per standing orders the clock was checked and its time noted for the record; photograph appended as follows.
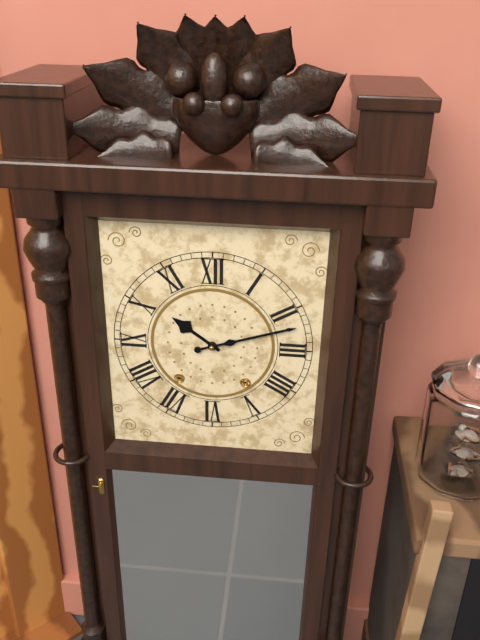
10:12
